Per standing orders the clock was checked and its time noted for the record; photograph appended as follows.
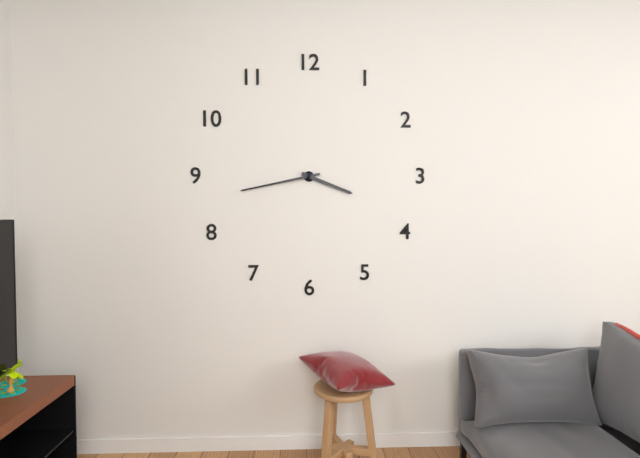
3:43
